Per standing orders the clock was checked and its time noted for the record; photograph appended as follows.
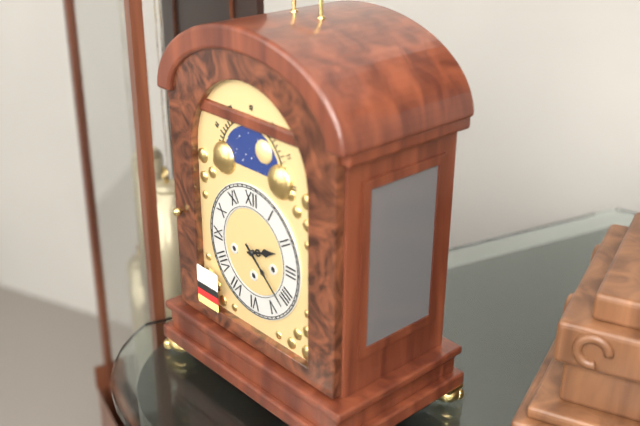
2:22
